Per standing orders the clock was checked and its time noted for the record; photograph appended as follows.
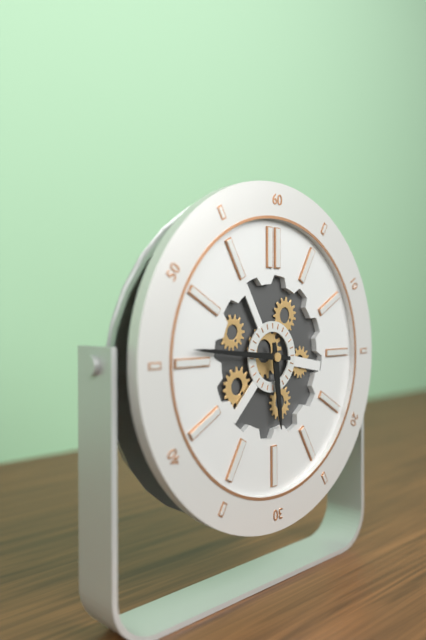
5:46
